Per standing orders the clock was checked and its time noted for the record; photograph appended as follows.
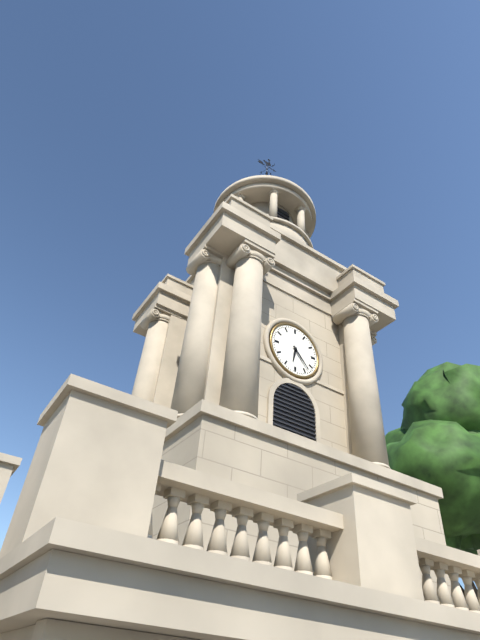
6:23
